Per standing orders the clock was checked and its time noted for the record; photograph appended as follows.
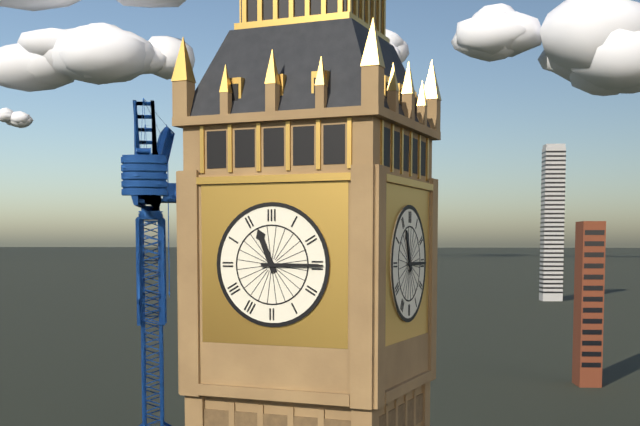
11:15
